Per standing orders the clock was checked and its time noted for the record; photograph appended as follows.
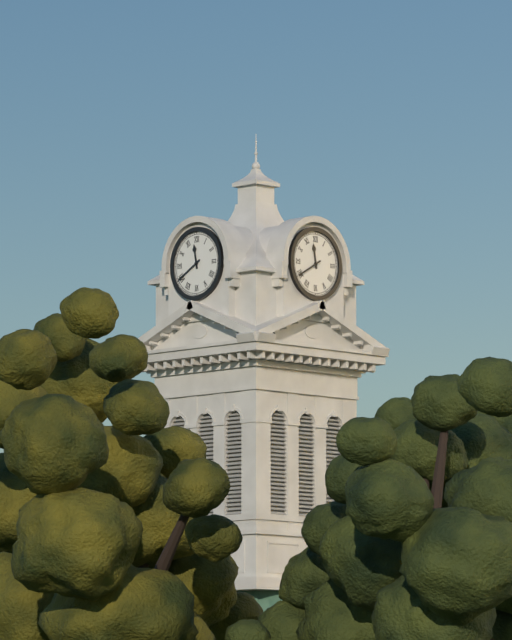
11:40
